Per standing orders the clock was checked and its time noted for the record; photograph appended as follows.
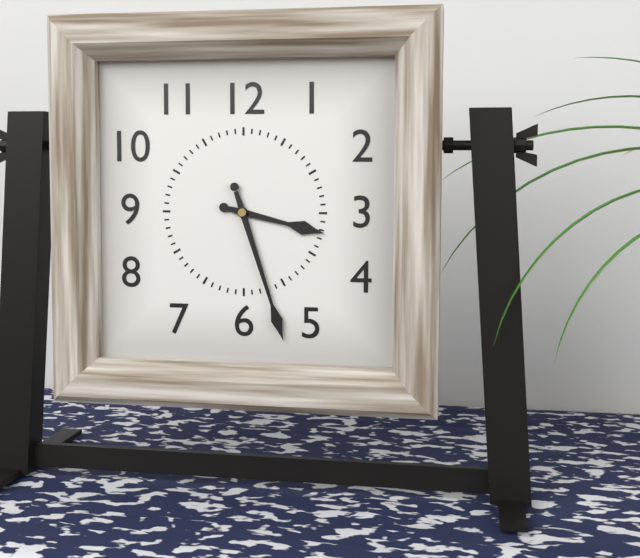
3:27
